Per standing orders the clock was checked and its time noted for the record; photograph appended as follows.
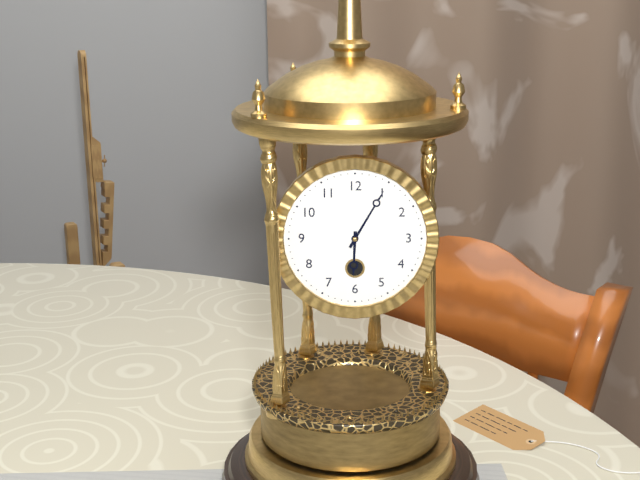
6:05
